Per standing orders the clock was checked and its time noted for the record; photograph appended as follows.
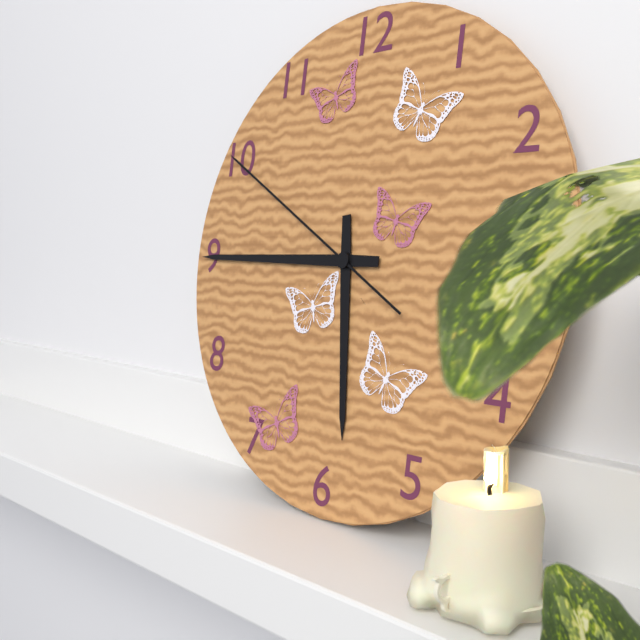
5:45:50
